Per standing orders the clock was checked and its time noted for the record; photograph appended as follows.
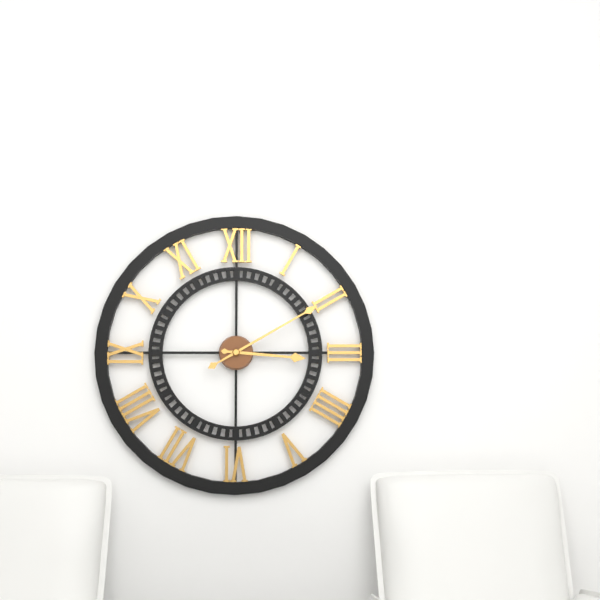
3:10
